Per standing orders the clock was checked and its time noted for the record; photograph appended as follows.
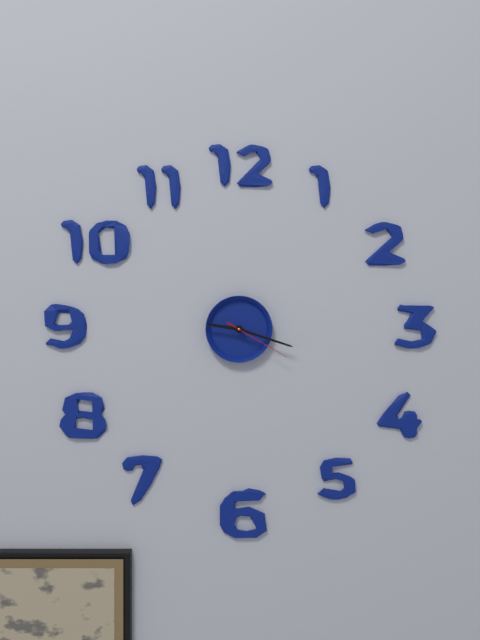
9:18:20
